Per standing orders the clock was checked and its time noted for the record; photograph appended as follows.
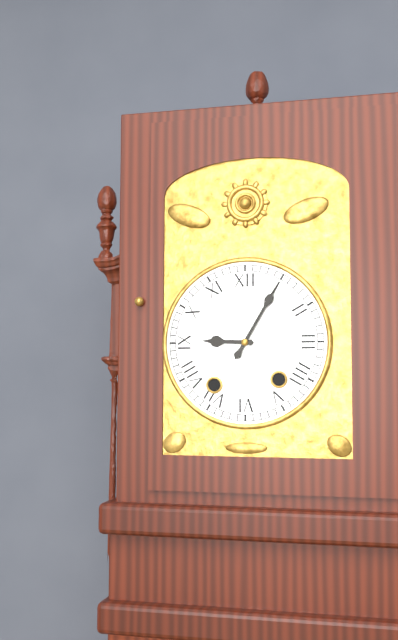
9:05
